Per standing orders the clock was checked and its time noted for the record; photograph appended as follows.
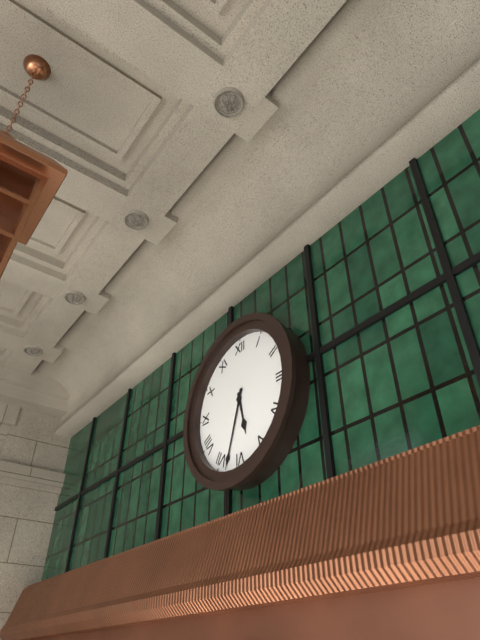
5:33
